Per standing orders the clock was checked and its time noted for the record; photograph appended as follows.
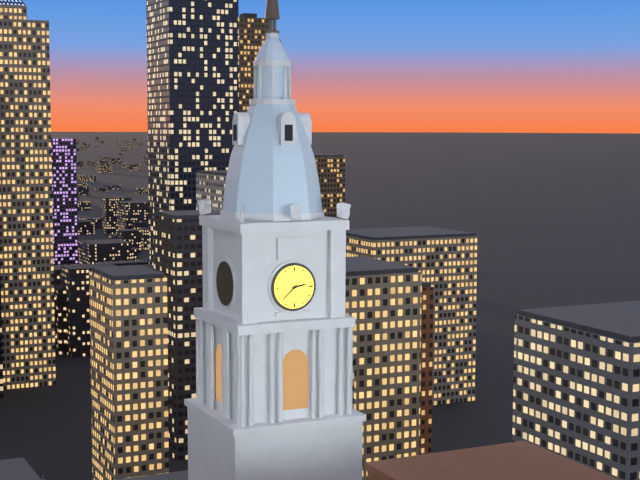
2:38
